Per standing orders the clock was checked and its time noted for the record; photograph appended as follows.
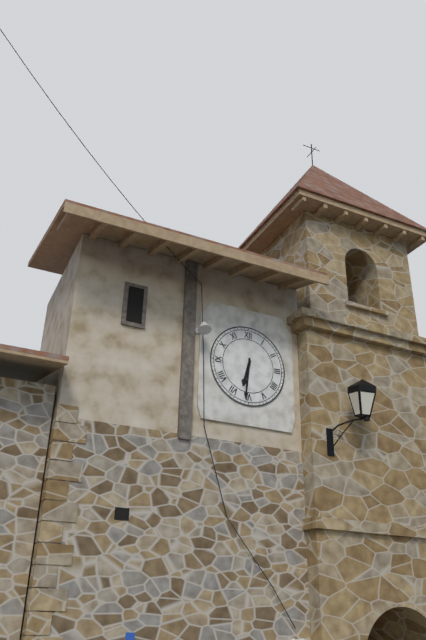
6:31
